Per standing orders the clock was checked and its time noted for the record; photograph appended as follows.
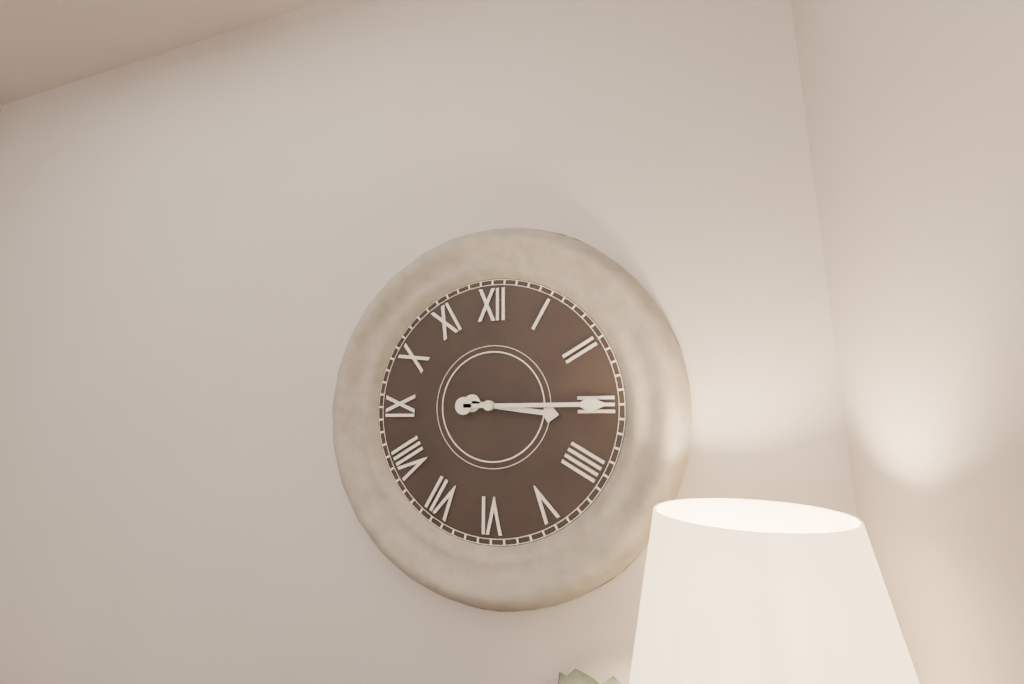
3:15
